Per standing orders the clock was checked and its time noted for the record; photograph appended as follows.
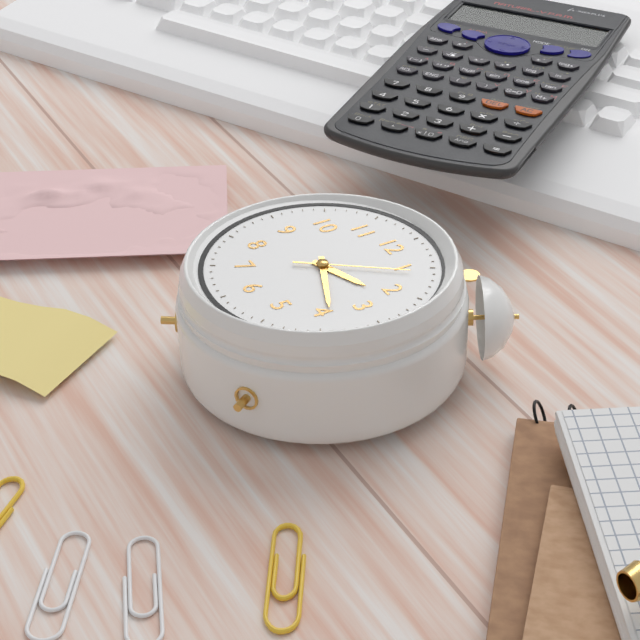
2:19:06
